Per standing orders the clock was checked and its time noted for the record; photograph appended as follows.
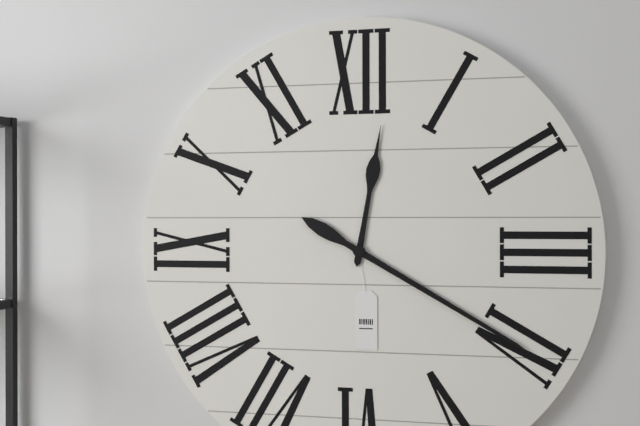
12:20
